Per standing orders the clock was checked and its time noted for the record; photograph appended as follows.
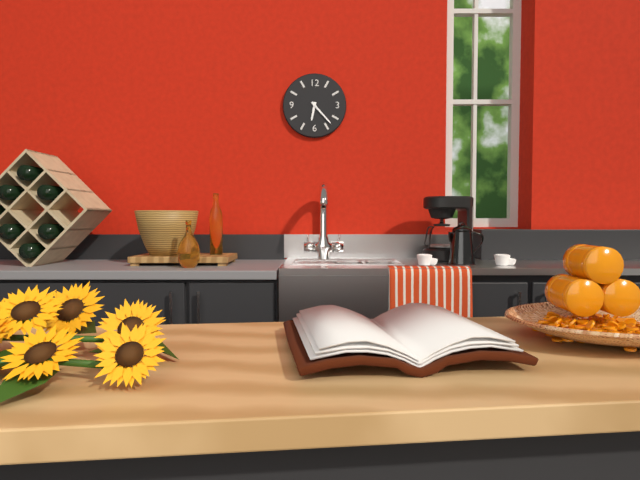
6:23
